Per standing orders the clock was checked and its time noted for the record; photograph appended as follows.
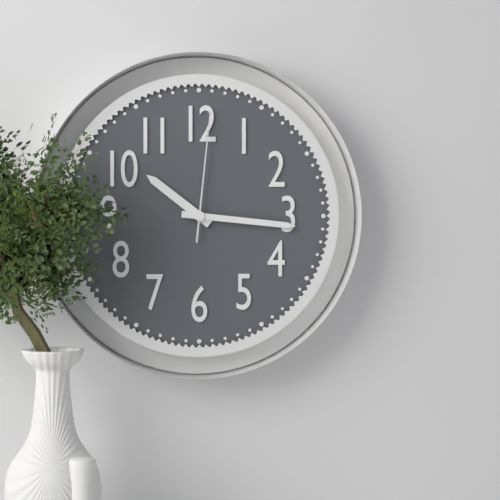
10:16:01
